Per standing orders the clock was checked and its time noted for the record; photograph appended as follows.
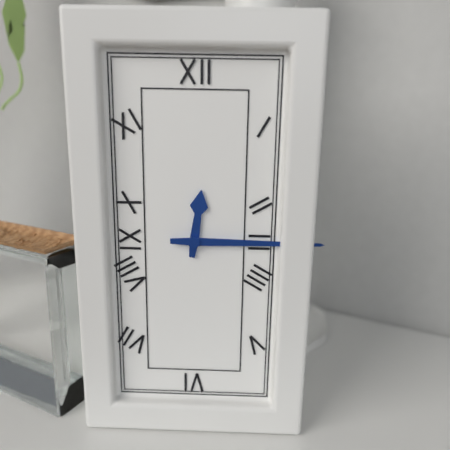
12:15
